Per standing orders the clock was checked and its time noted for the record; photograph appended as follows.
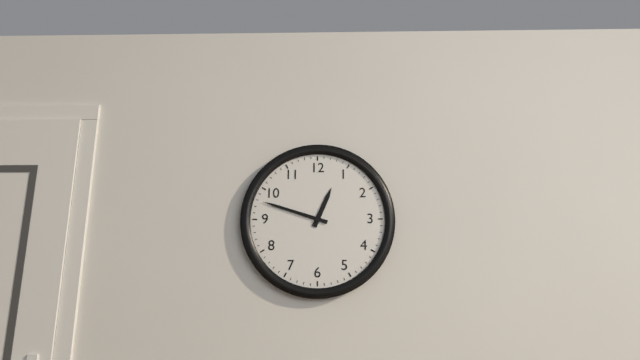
12:48
